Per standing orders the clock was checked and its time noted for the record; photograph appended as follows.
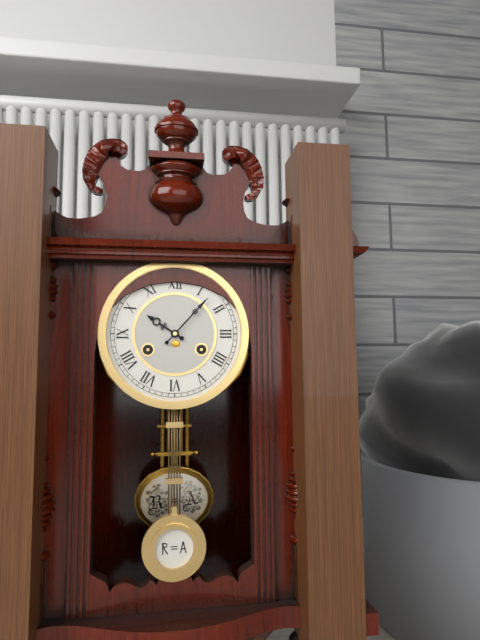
10:07
